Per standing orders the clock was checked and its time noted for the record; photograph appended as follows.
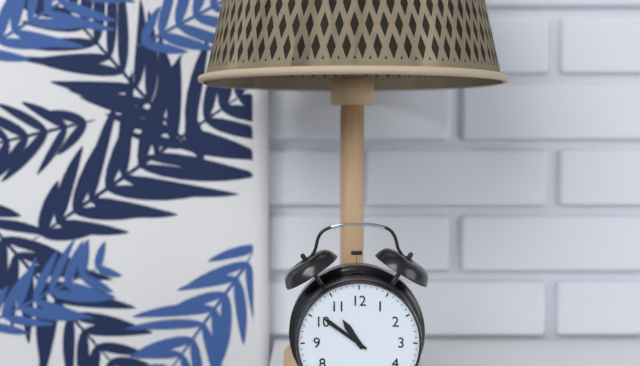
10:51
